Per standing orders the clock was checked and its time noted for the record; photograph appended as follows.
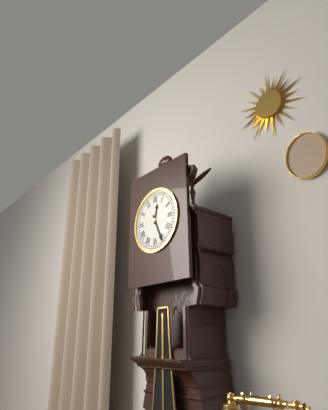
12:26
